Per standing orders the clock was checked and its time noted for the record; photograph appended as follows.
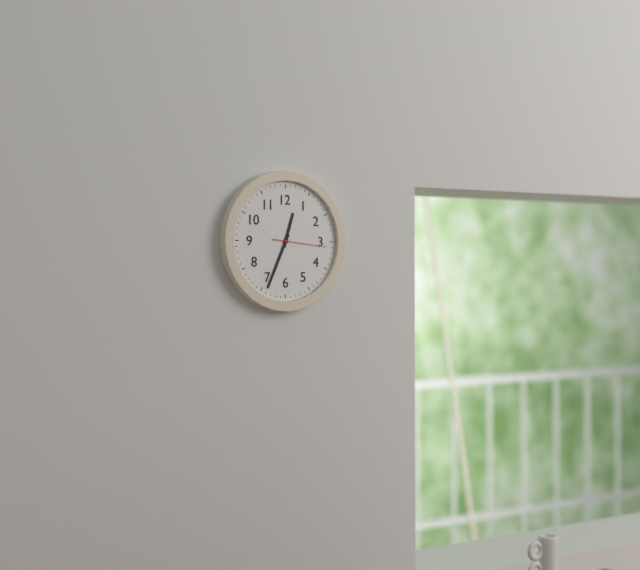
12:34:16
